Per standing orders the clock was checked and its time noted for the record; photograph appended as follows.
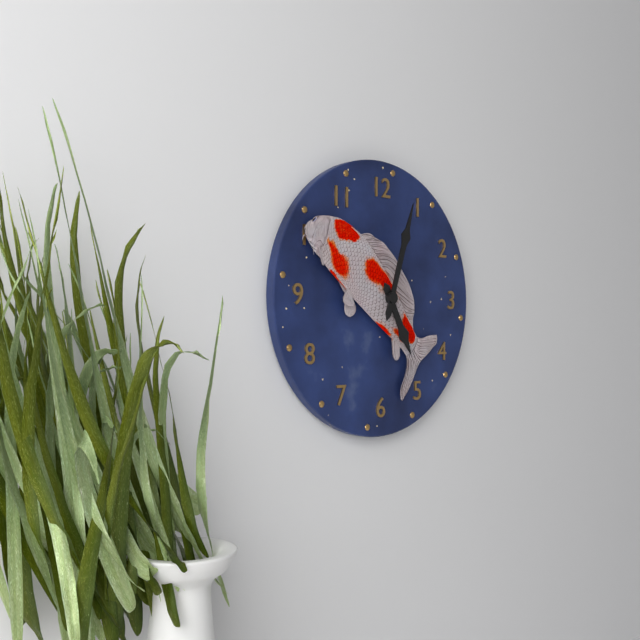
5:03
